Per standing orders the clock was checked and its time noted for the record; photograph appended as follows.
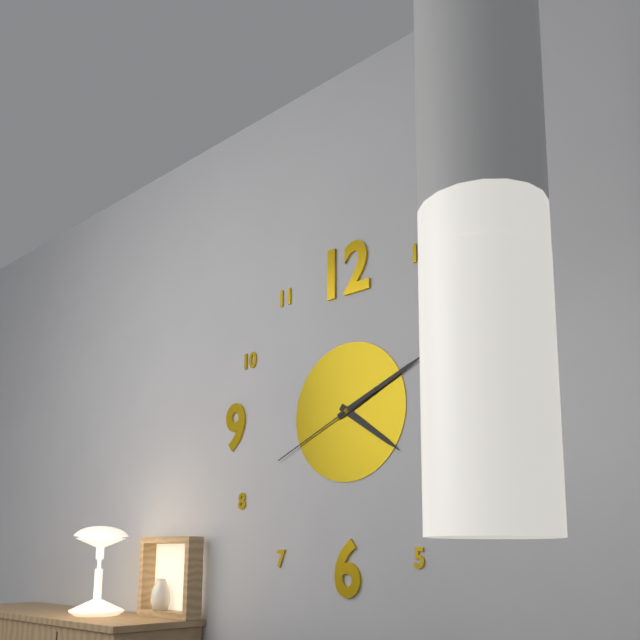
4:11:41
